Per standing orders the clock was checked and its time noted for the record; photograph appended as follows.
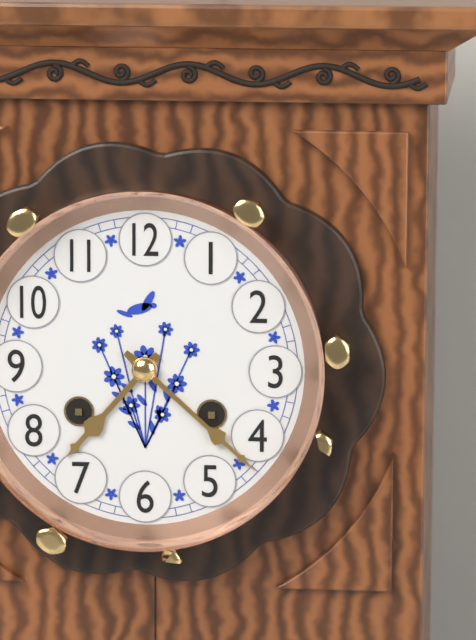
7:22
